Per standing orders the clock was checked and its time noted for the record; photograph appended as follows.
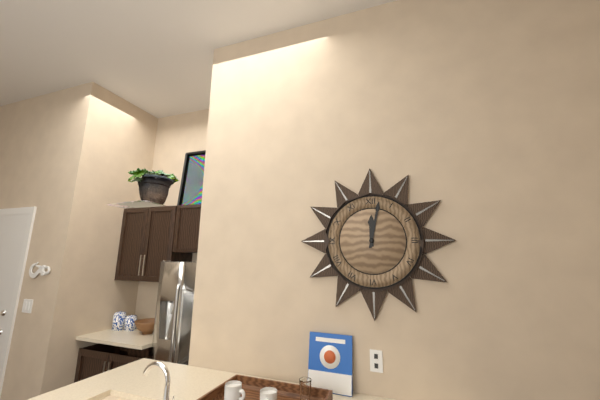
12:02
